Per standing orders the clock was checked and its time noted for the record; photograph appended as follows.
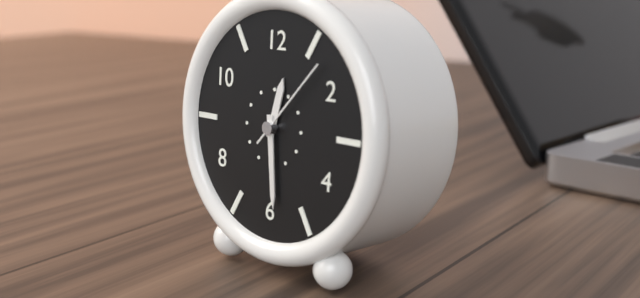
12:29:07
